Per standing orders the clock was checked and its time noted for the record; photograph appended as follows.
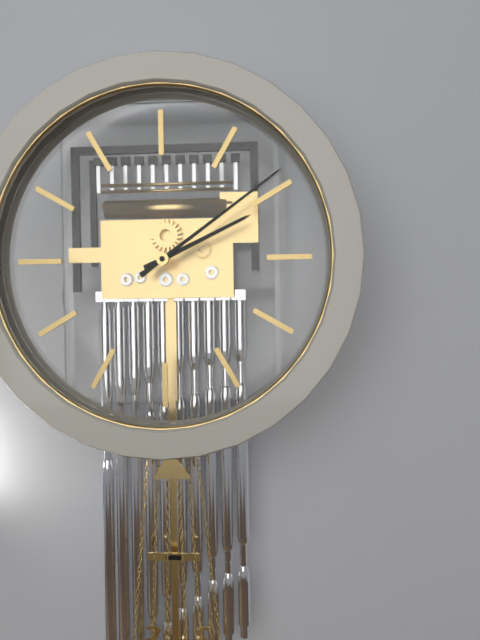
2:09
